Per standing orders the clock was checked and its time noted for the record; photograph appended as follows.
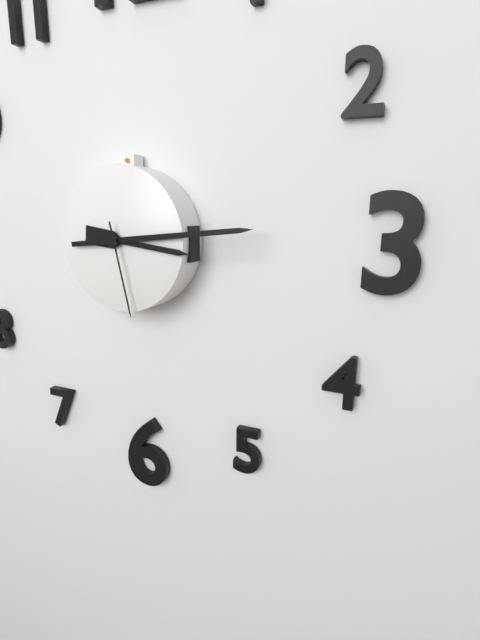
3:14:28
